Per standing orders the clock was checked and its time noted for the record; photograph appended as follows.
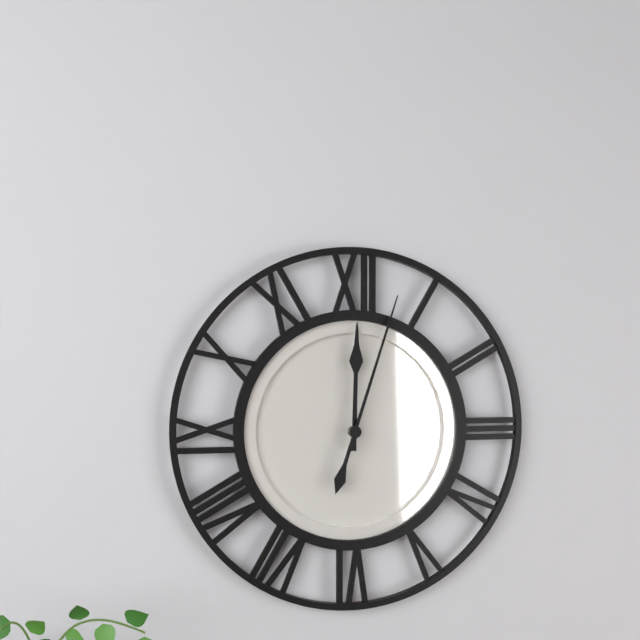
12:03
